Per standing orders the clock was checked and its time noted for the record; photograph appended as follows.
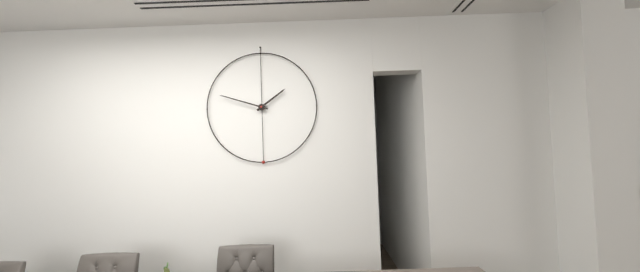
1:48
